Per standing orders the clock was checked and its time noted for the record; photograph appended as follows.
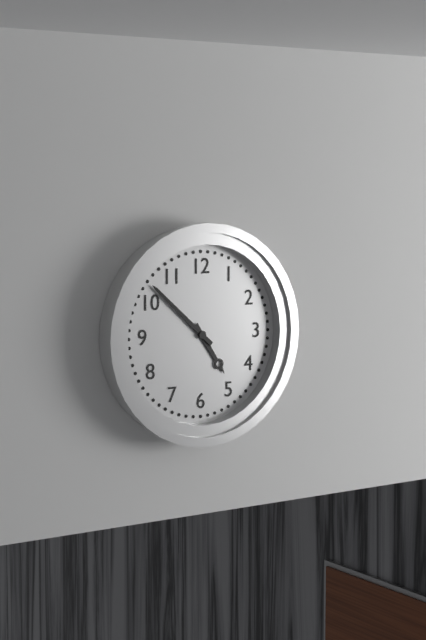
4:52
